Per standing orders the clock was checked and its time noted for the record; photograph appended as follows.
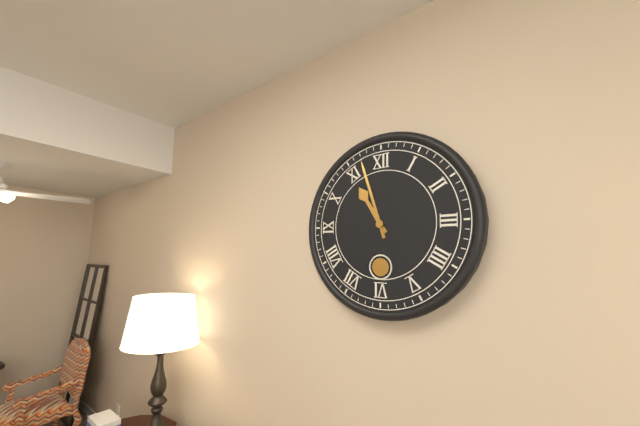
10:57
